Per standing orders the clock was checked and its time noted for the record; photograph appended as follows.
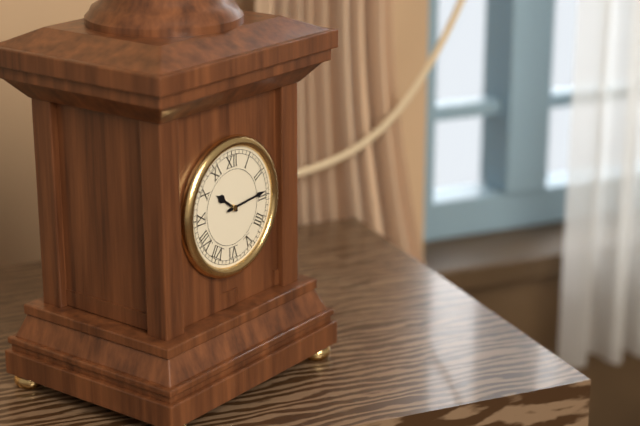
10:14
